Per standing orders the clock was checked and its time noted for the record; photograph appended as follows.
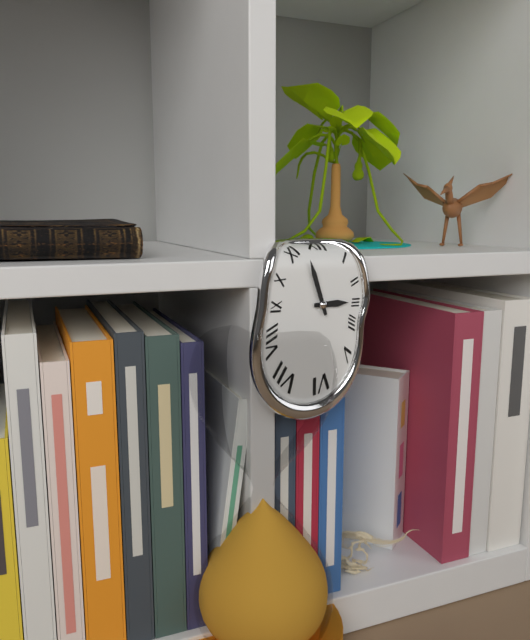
2:57
